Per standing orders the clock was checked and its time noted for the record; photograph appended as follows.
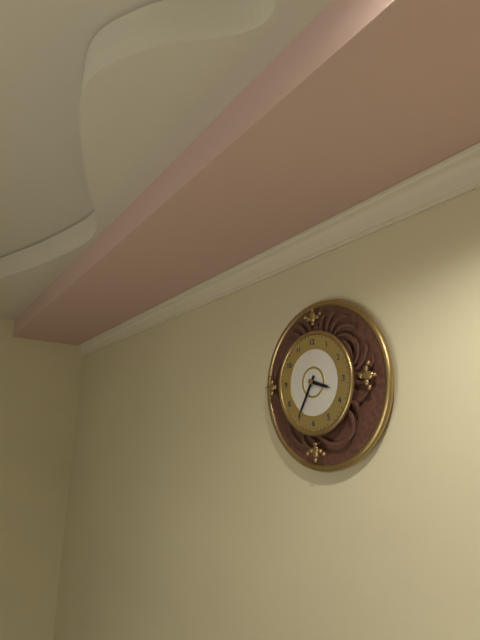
3:35
